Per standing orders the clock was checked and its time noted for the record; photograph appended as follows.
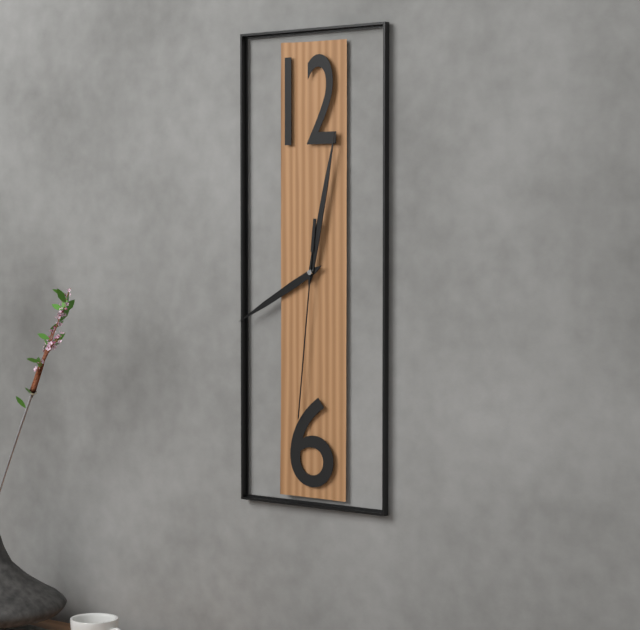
8:02:31
